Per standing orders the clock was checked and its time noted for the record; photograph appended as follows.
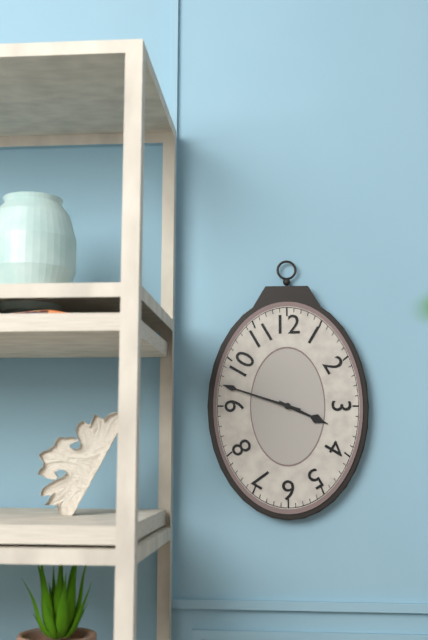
3:48
